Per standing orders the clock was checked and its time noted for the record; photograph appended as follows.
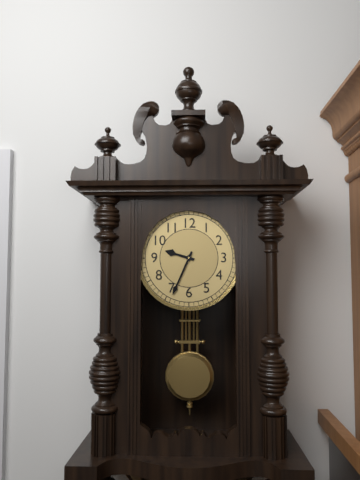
9:34
